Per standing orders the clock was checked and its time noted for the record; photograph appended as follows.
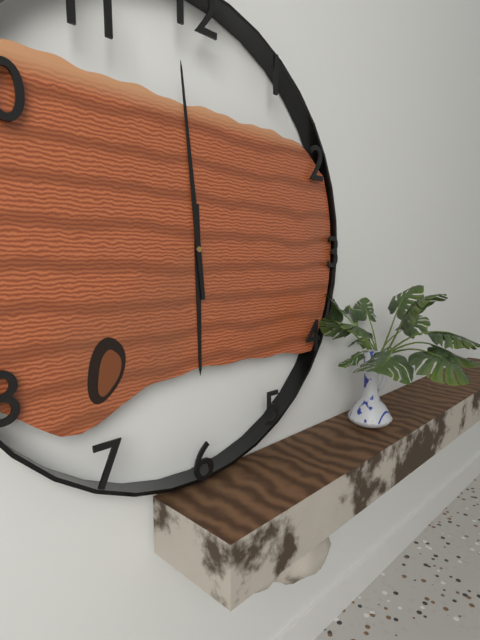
5:59
